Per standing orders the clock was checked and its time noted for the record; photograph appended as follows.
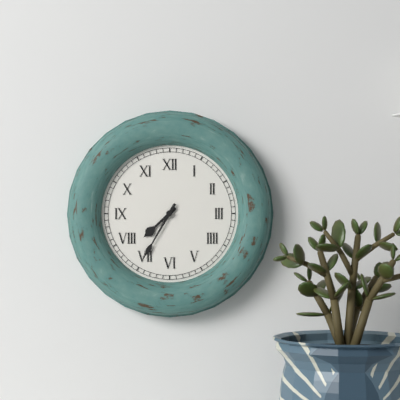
7:35
